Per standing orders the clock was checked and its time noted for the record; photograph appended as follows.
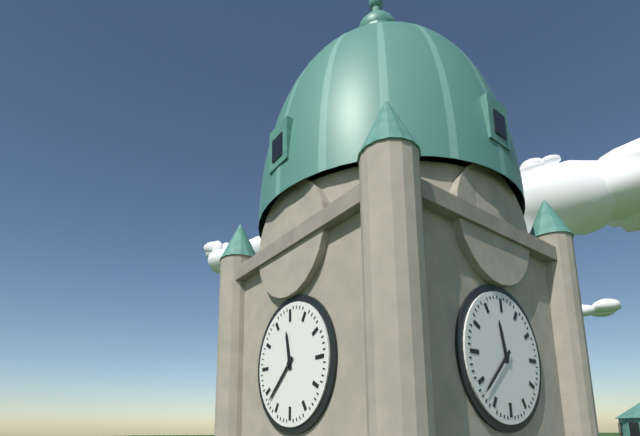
11:38
